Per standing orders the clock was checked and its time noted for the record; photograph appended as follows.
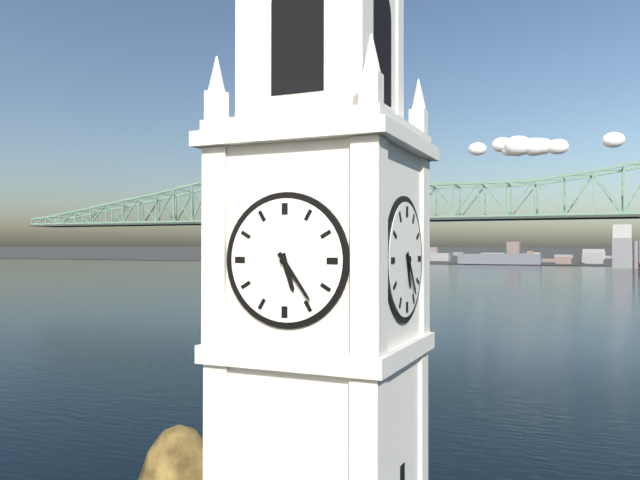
5:24
